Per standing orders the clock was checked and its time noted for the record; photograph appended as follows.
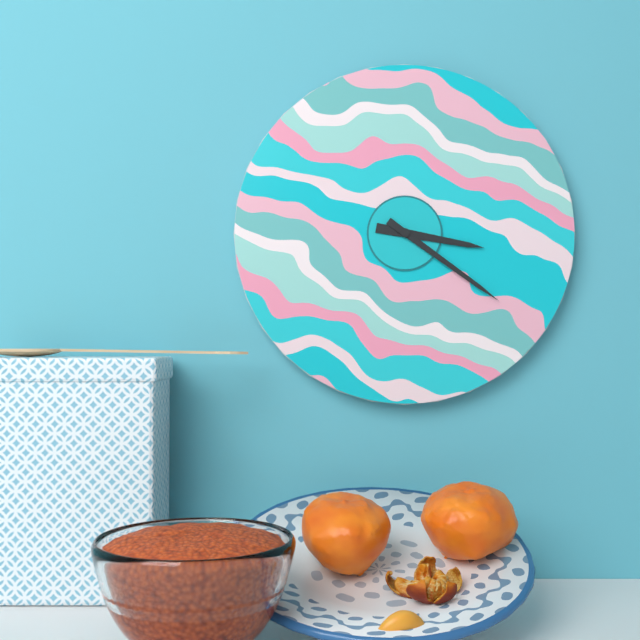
3:21
